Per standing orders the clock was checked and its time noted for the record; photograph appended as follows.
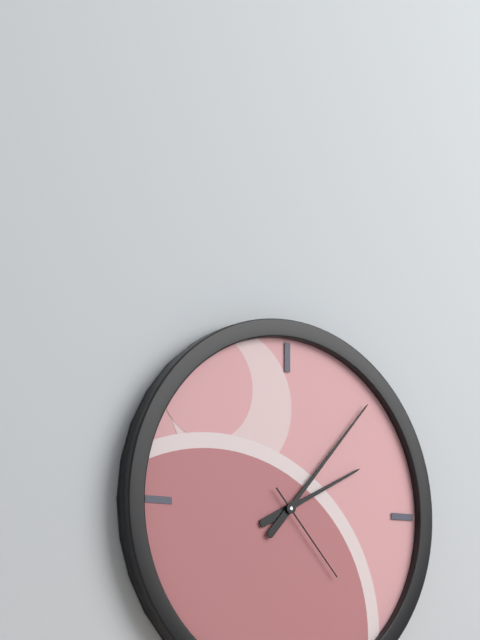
2:07:23
